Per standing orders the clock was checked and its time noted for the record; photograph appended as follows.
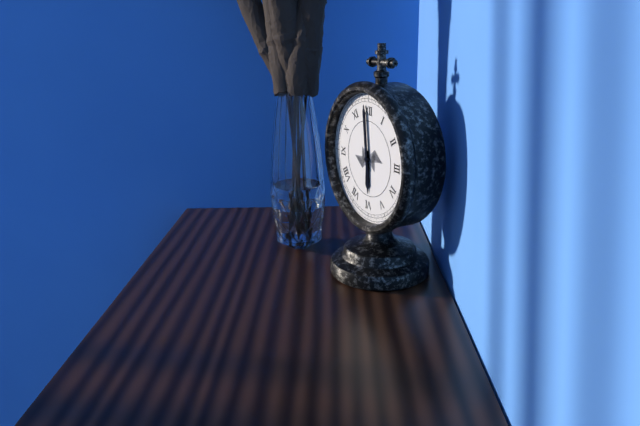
5:59
